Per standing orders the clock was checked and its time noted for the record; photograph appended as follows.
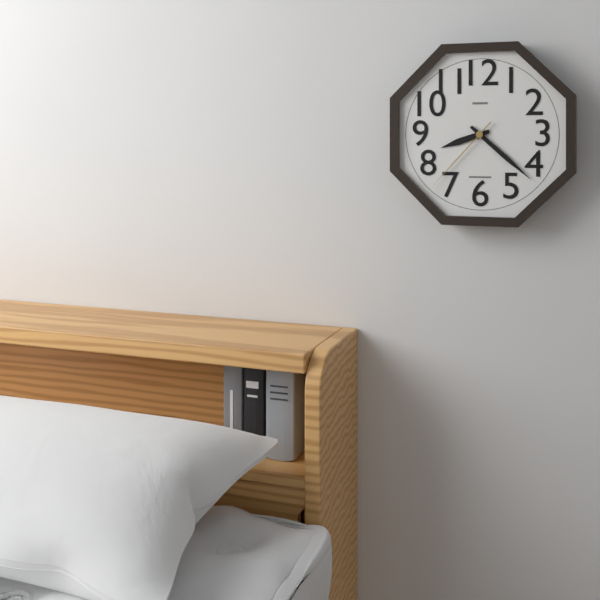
8:22:37
